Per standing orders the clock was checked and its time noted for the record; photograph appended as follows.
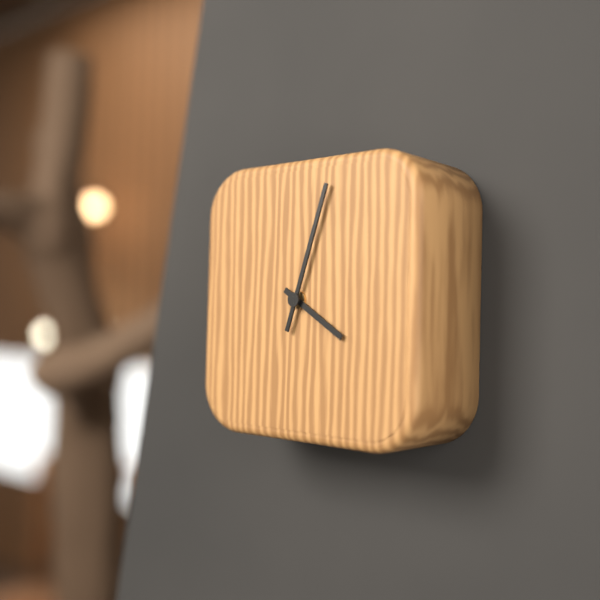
4:03
